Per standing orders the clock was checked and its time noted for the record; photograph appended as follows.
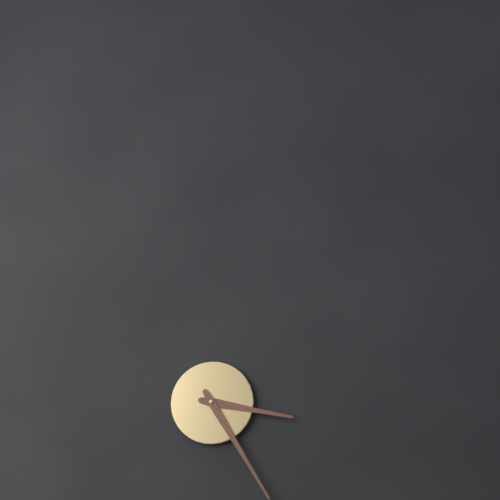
3:25
